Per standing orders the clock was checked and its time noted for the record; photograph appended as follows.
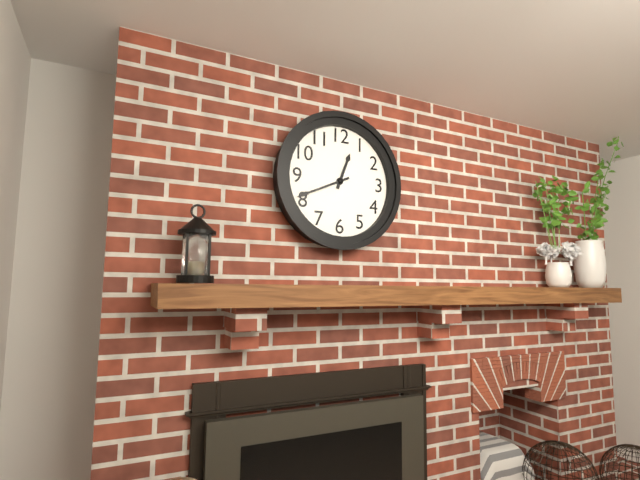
12:41
